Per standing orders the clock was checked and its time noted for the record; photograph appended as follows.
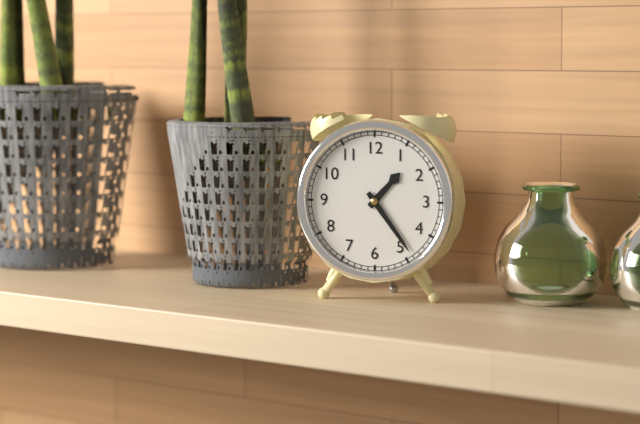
1:24
